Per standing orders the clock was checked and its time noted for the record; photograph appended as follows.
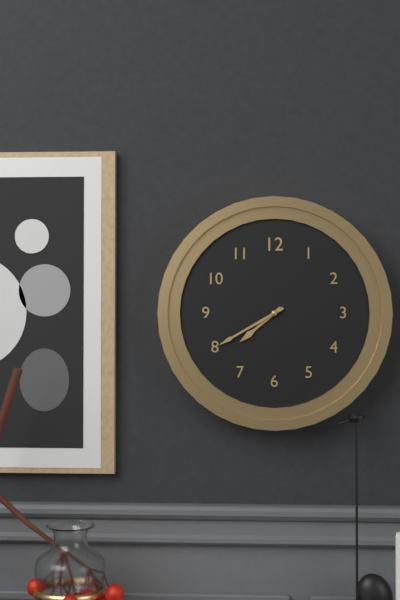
7:40
